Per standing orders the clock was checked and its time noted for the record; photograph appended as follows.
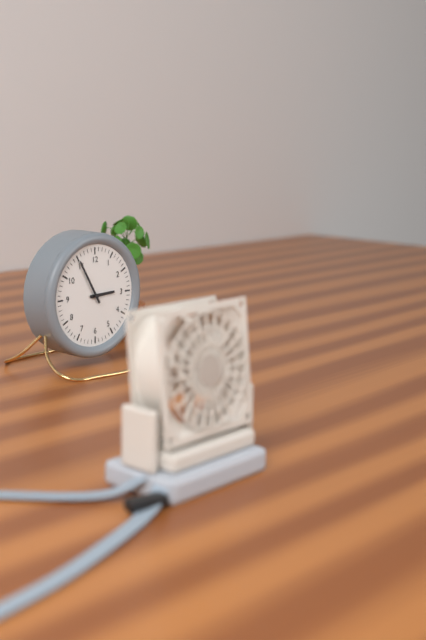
2:55
